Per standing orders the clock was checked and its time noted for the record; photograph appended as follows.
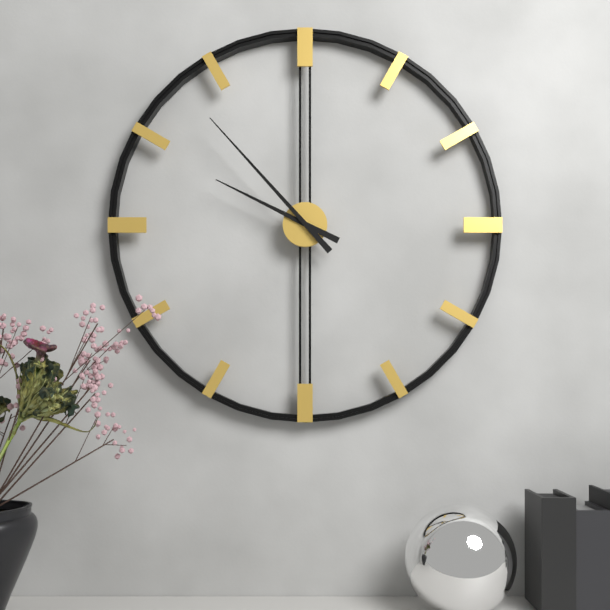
9:53
